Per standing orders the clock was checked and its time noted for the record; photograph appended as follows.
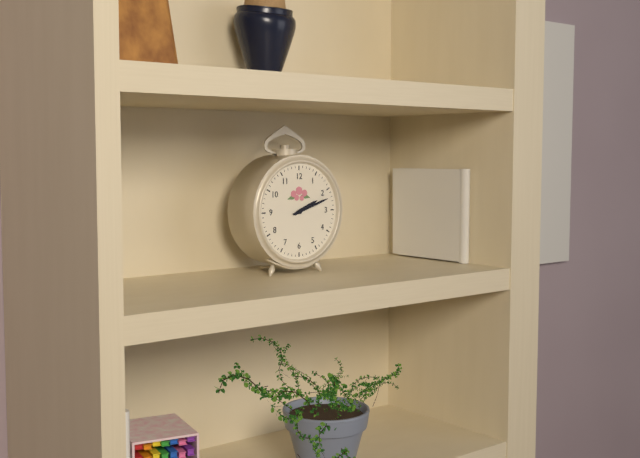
2:12
